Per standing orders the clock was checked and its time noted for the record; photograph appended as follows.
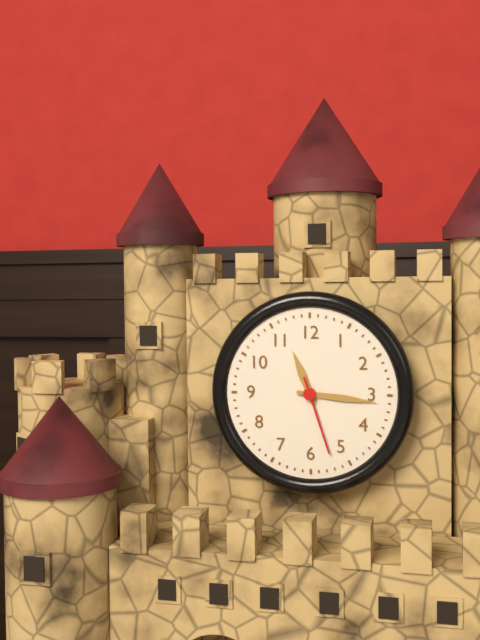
11:16:27
